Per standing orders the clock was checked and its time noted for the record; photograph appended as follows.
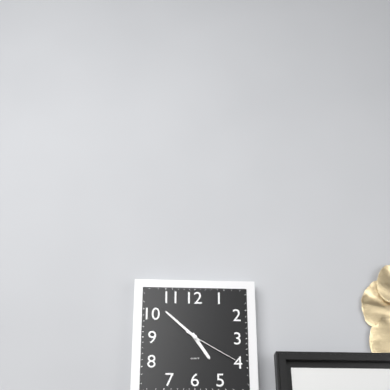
4:52:20
